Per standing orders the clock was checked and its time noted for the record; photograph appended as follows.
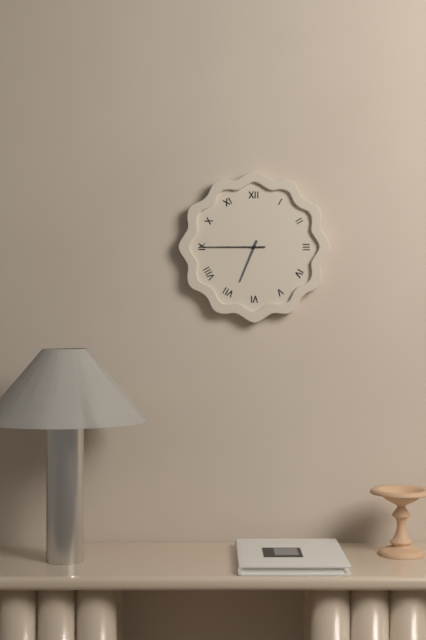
6:45
